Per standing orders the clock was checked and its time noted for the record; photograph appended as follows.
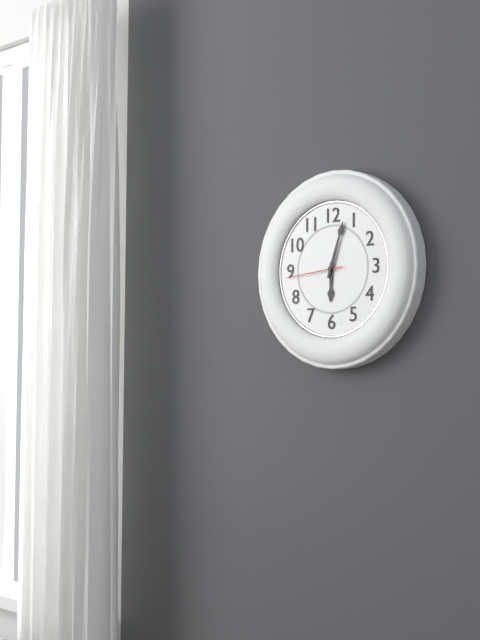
6:03:44
